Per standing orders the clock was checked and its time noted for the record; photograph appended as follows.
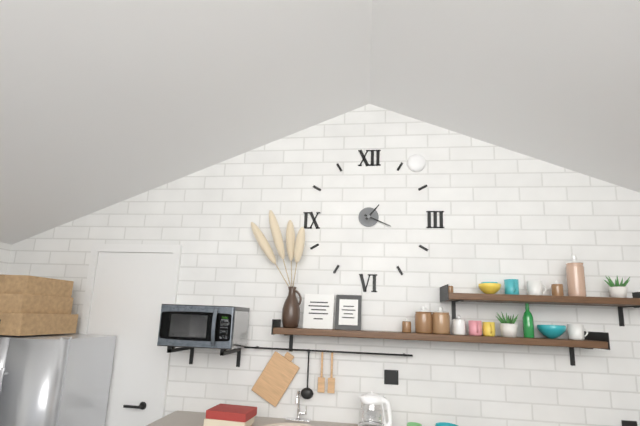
1:19
